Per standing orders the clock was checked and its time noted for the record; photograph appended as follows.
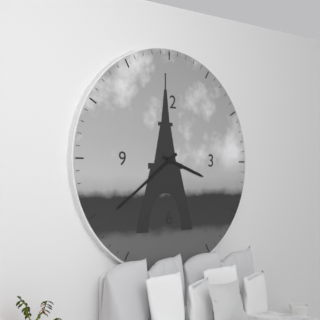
3:39
